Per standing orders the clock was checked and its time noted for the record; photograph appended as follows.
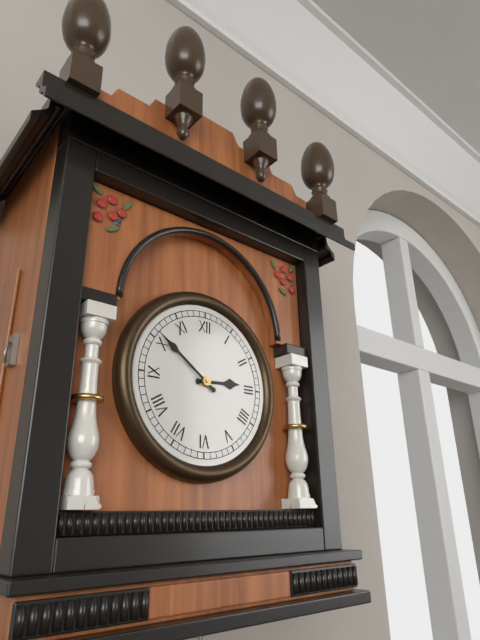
2:51
